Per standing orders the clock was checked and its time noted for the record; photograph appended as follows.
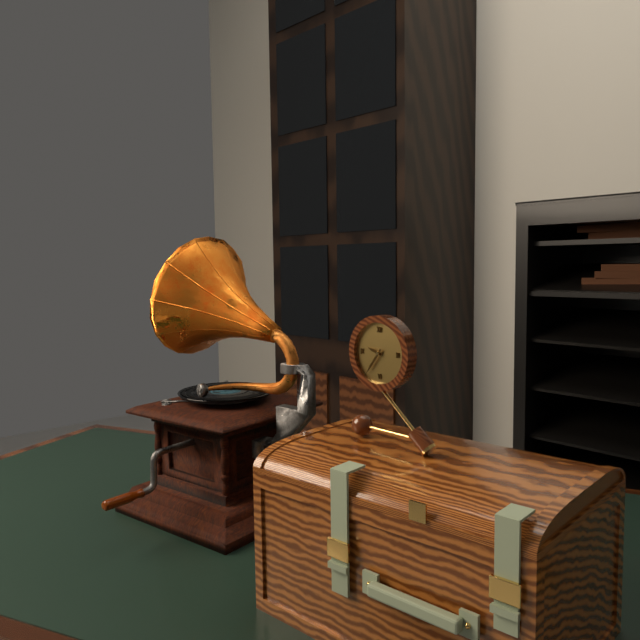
9:36
